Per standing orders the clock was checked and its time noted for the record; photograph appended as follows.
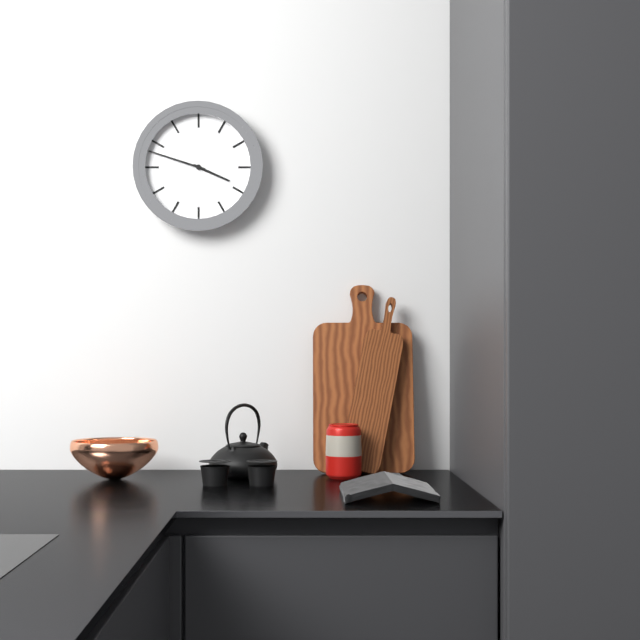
3:48
